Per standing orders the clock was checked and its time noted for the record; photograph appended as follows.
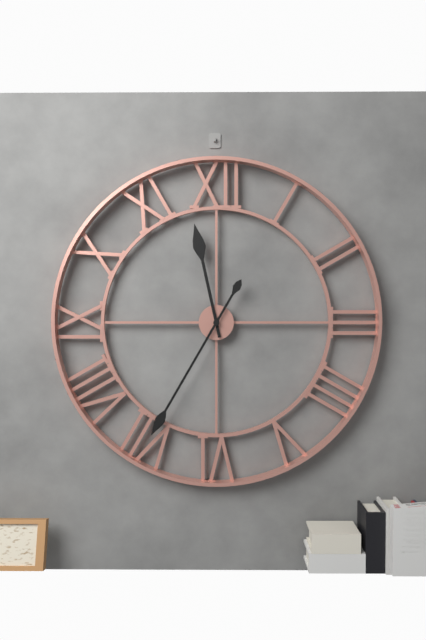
11:35
